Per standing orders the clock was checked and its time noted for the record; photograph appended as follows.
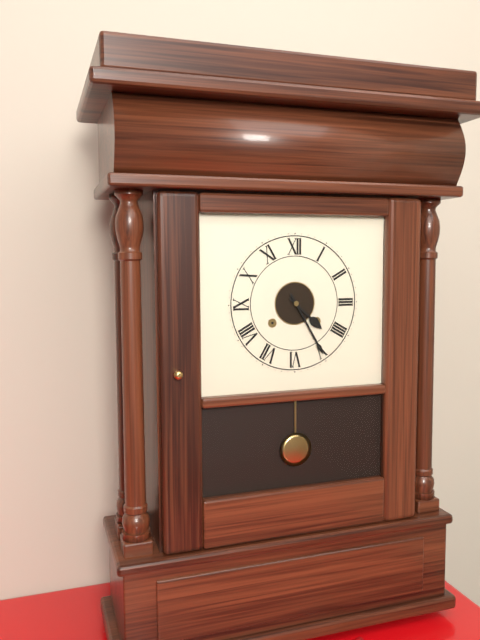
4:25
